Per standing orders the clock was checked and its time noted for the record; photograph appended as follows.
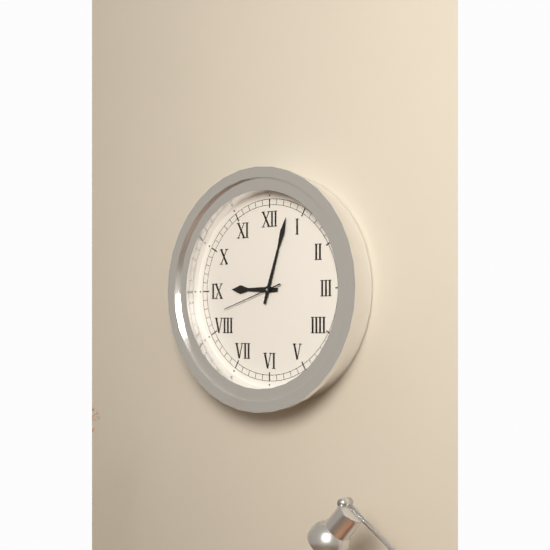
9:03:42
